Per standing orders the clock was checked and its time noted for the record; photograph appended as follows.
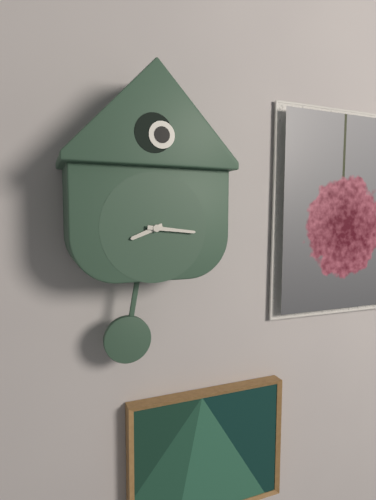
8:16
